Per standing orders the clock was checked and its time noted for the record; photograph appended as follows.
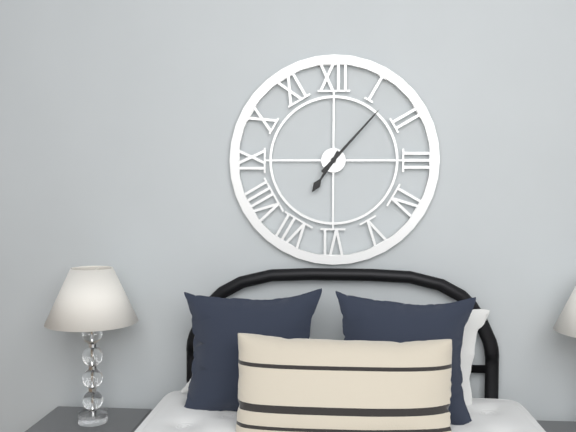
7:07
